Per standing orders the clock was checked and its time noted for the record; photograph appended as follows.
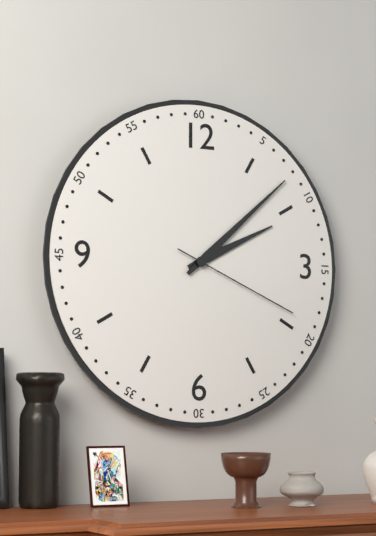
2:08:19
